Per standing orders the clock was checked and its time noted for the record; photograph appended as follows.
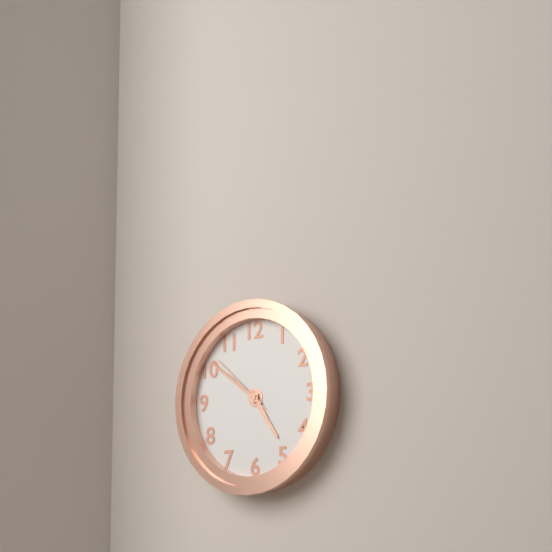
4:51:52
